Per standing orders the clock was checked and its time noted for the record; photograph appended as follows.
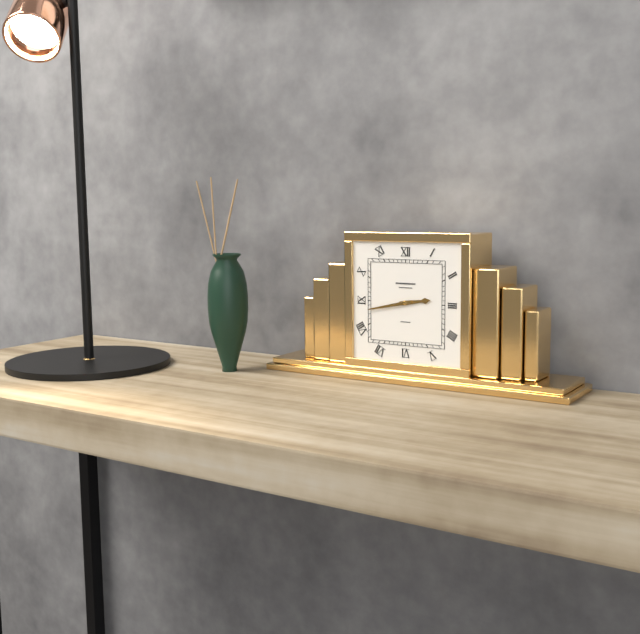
2:43
